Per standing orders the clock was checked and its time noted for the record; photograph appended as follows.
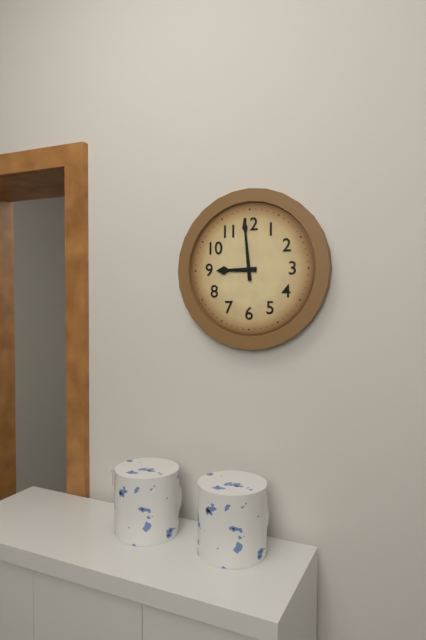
8:59
